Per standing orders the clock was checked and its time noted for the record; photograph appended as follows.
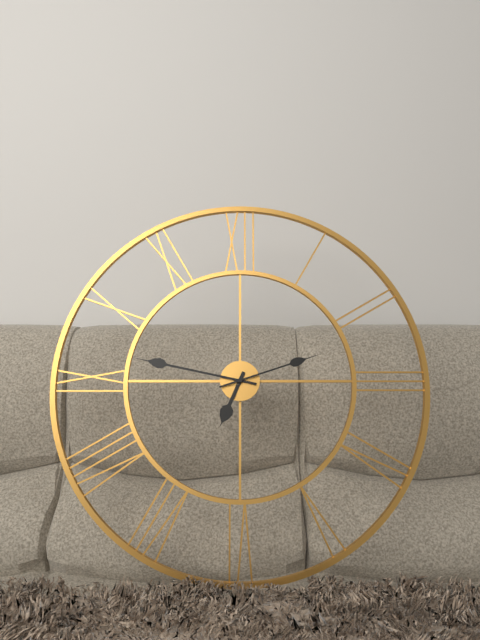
6:47:12
